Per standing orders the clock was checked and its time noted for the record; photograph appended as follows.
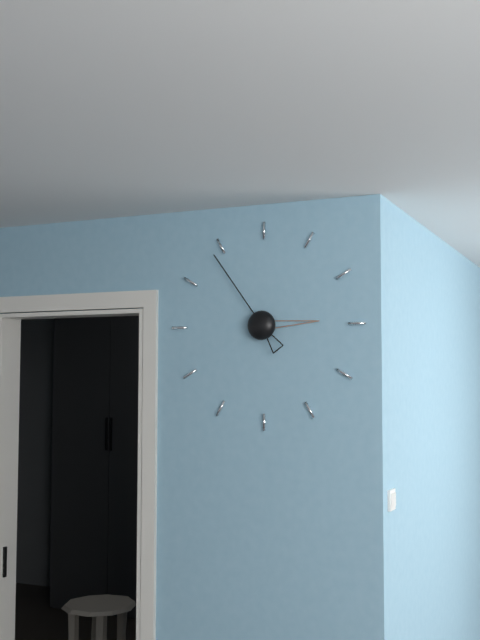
2:54
